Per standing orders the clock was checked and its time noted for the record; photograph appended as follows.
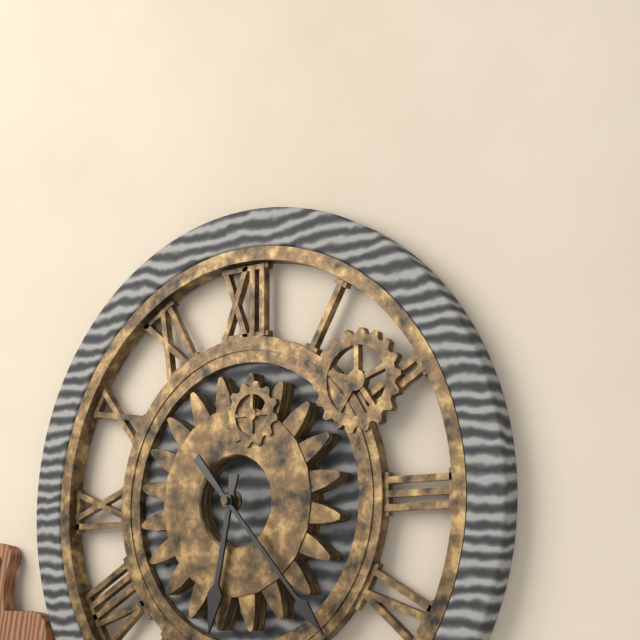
6:23
